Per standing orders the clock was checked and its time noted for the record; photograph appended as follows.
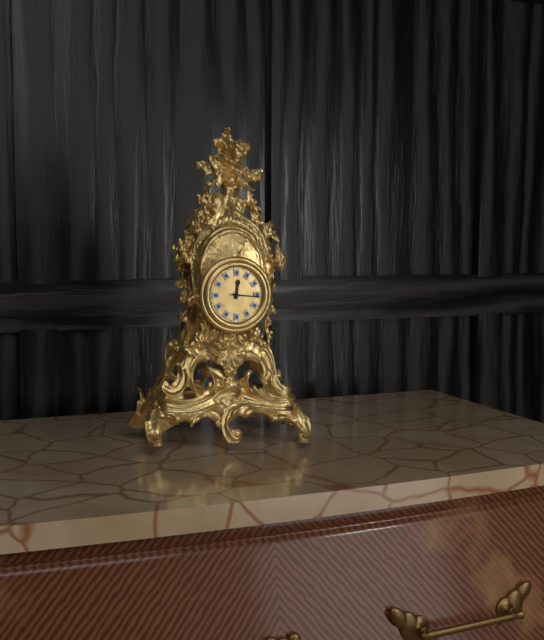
12:16
